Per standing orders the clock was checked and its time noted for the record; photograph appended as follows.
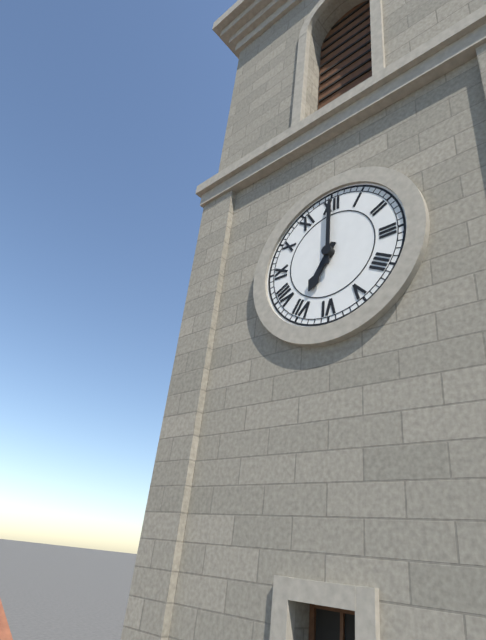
7:00
